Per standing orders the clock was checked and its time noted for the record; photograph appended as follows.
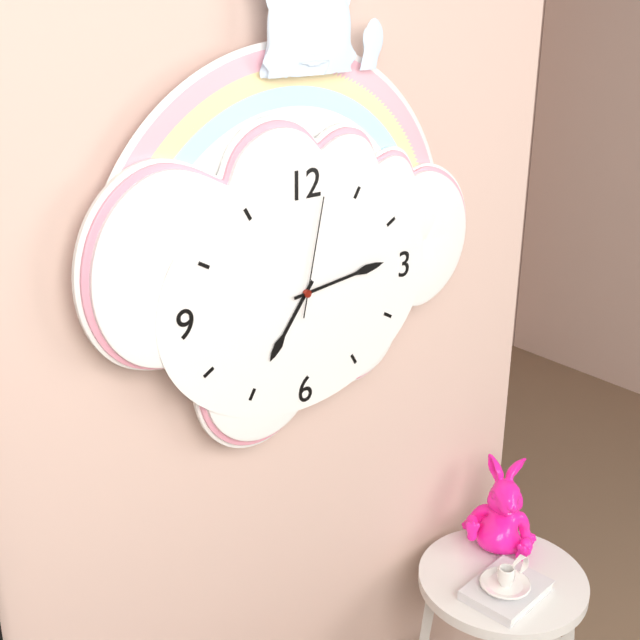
7:14:02
